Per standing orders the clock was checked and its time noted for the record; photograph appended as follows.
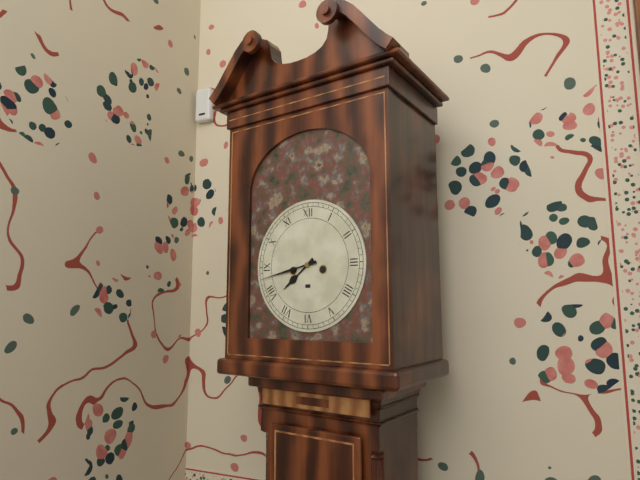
7:43
